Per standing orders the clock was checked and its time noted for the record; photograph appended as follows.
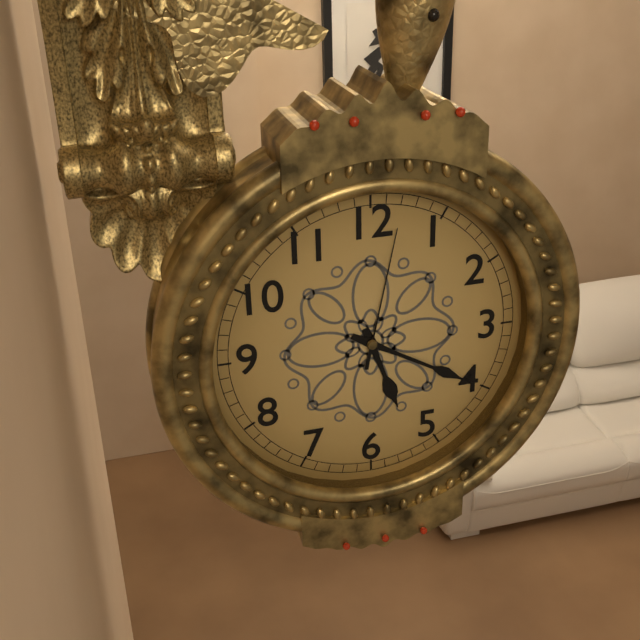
5:20:02
